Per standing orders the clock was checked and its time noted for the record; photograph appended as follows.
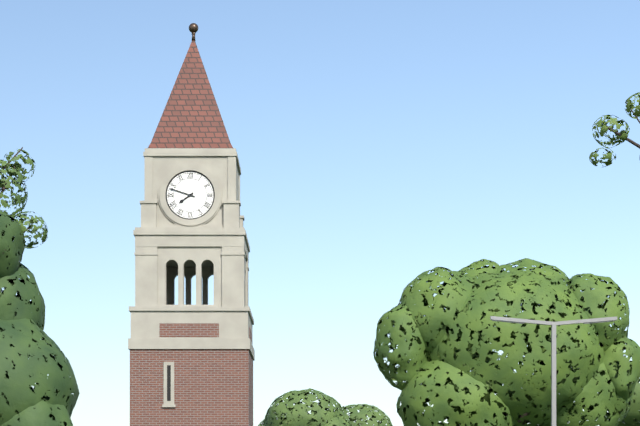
7:48
